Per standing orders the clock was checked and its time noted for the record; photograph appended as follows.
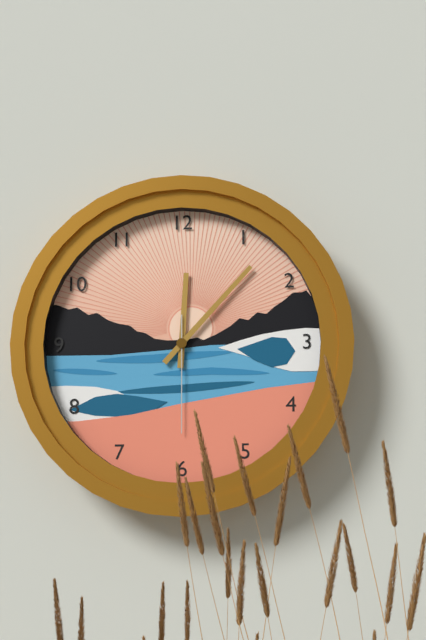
12:07:30
